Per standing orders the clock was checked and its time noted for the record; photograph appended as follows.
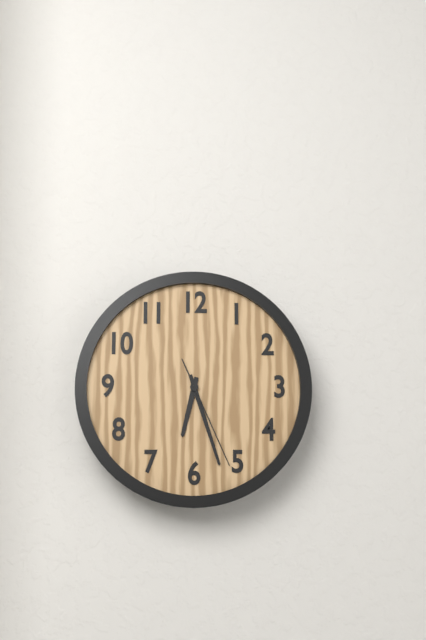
6:27:26
